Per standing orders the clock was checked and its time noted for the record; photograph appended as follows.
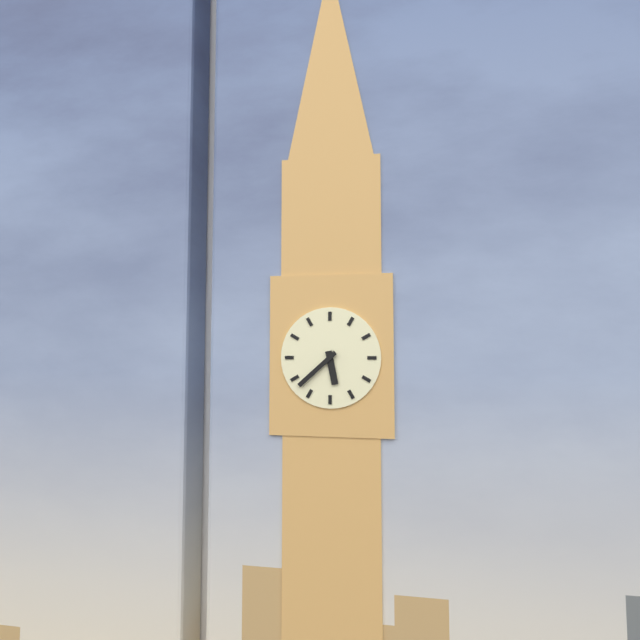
5:38
